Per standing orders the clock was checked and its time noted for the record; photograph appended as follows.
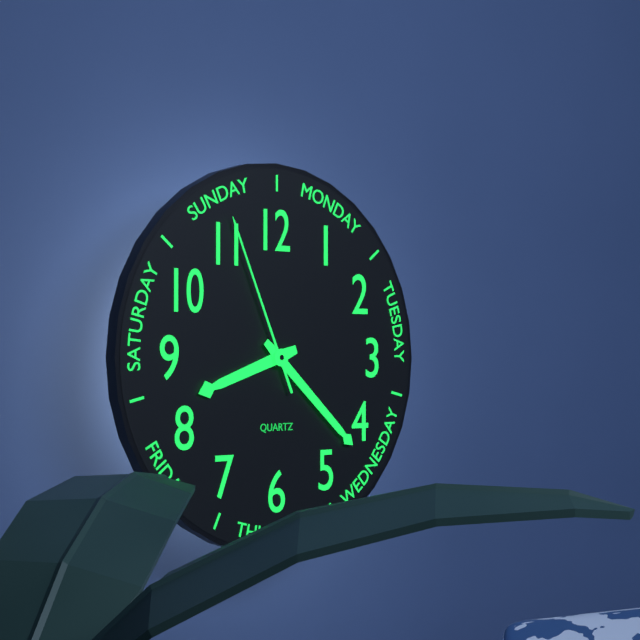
8:22:56
